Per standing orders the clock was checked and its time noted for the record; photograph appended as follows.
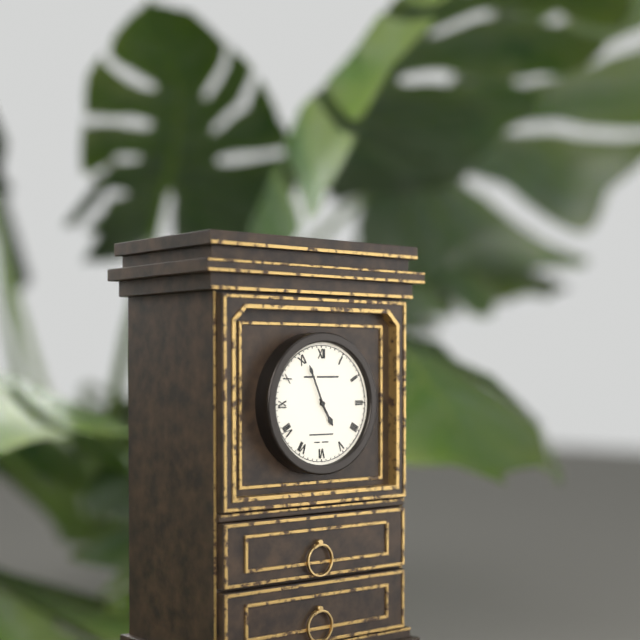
4:56
